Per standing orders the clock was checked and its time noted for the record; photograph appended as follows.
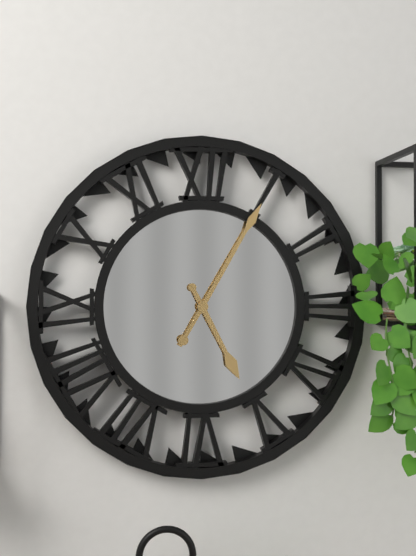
5:05
